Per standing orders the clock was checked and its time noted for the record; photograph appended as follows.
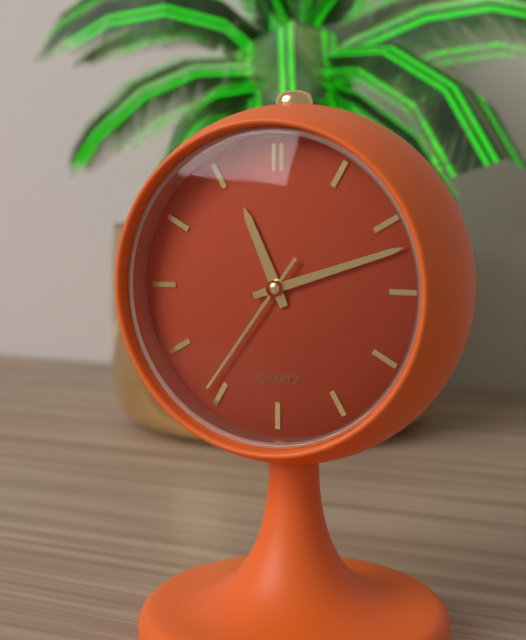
11:12:36
